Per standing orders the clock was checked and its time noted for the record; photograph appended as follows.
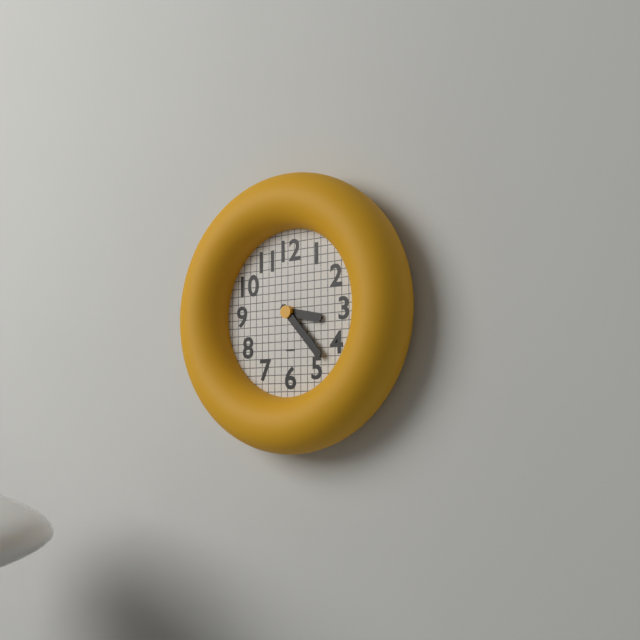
3:23
